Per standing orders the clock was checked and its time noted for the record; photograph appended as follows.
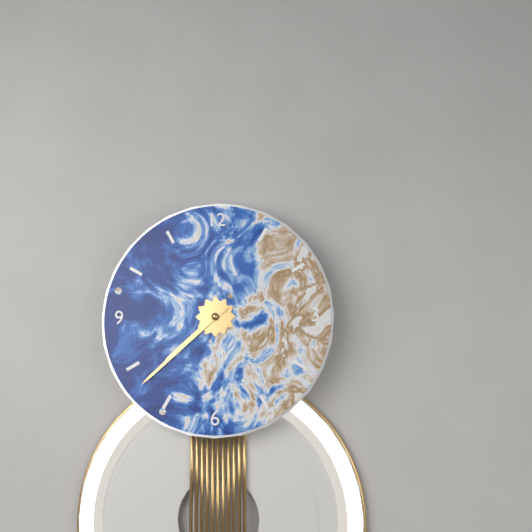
7:38
